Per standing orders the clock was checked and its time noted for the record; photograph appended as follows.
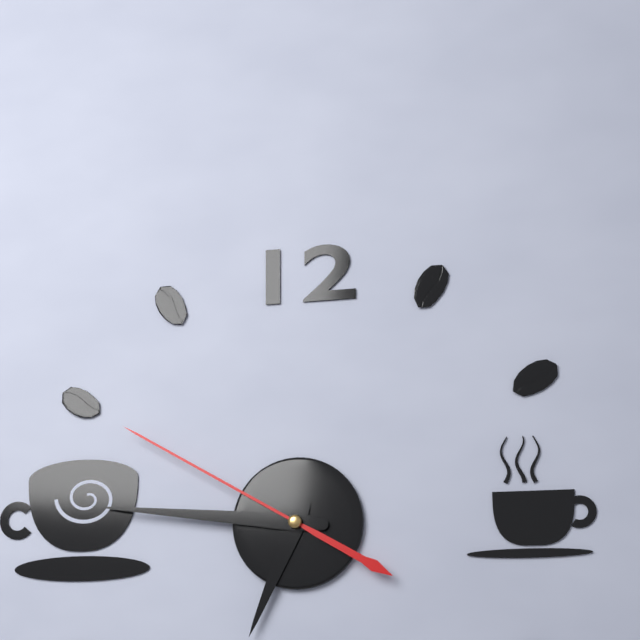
6:46:50
